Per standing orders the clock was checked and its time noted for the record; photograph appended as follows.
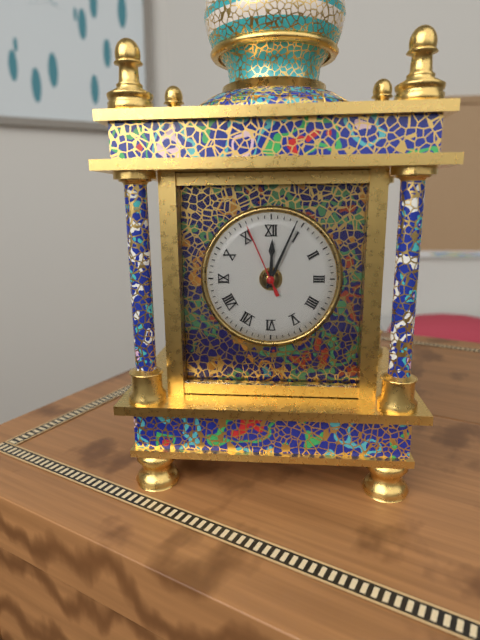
12:04:56
